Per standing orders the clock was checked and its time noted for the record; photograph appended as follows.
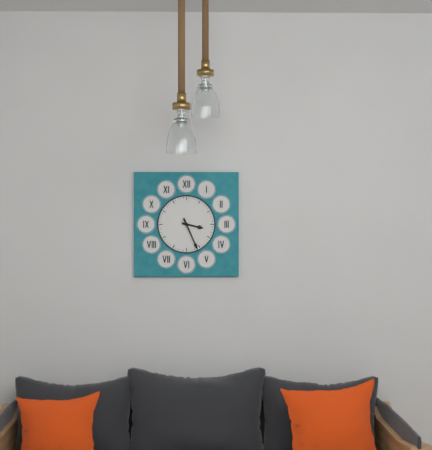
3:26
